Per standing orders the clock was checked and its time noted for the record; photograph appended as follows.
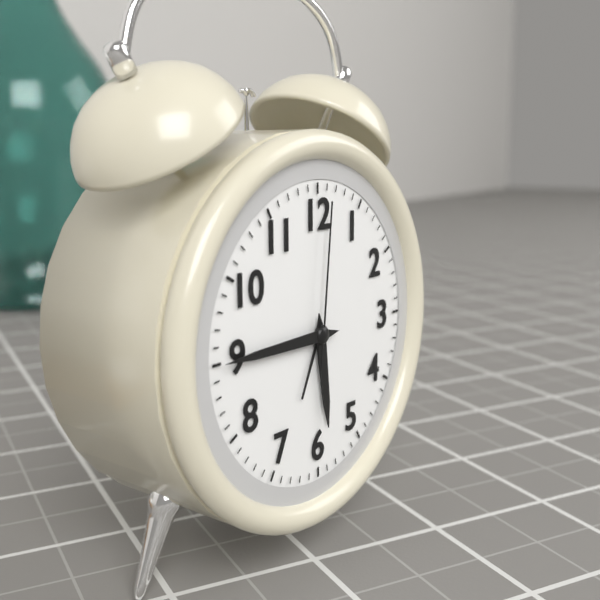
5:45:01
